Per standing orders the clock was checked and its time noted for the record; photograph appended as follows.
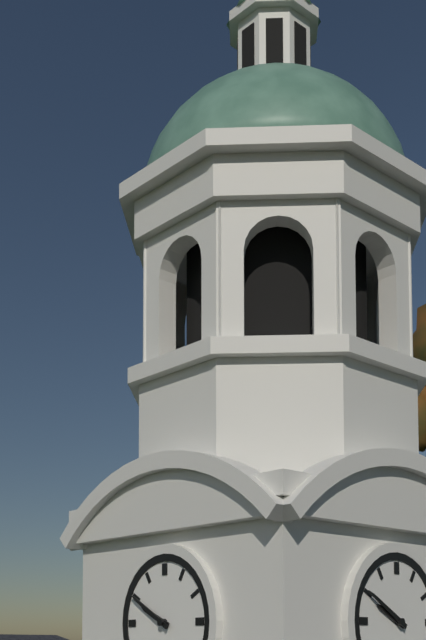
9:50
